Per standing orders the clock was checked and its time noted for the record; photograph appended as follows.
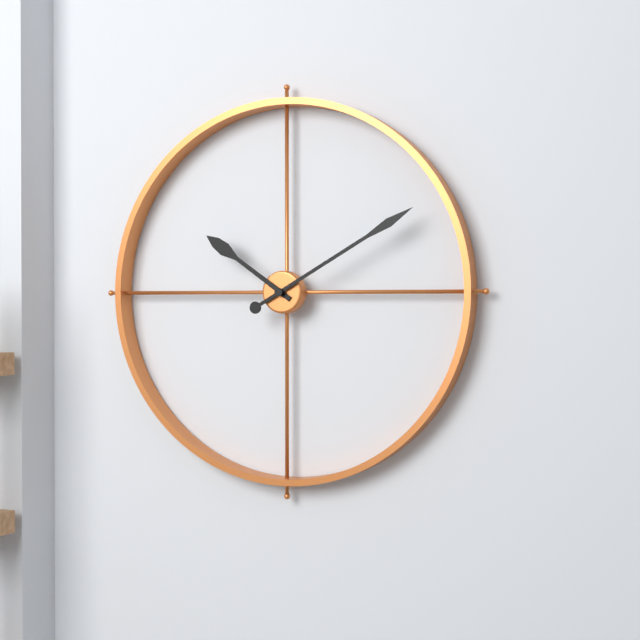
10:10
